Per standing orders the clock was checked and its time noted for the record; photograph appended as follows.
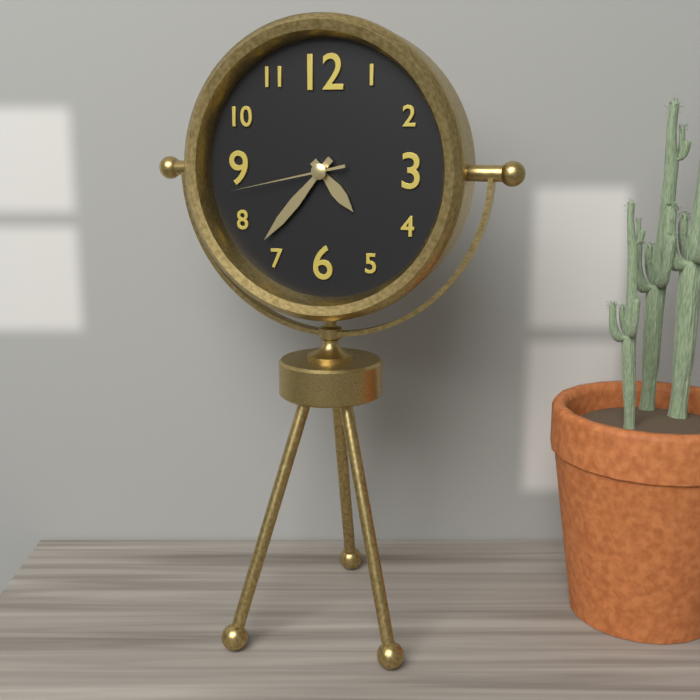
4:37:43
